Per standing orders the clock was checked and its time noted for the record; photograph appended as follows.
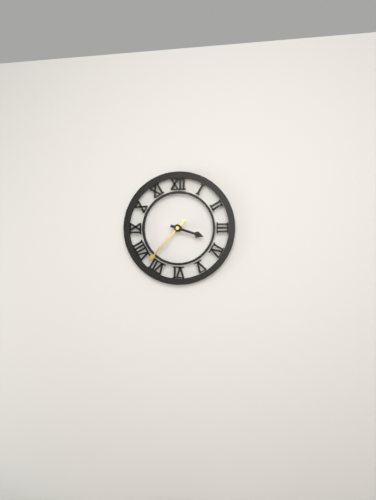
3:37
